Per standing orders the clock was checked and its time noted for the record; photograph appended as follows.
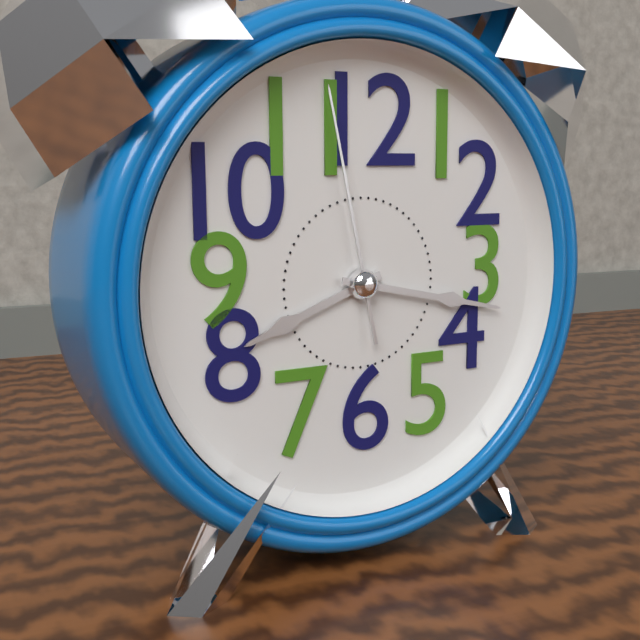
8:17:58
